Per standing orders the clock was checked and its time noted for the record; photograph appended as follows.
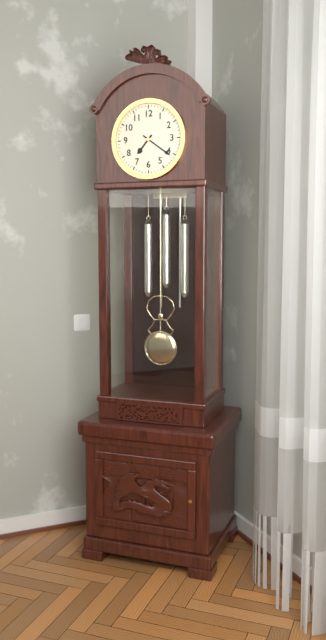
7:21
